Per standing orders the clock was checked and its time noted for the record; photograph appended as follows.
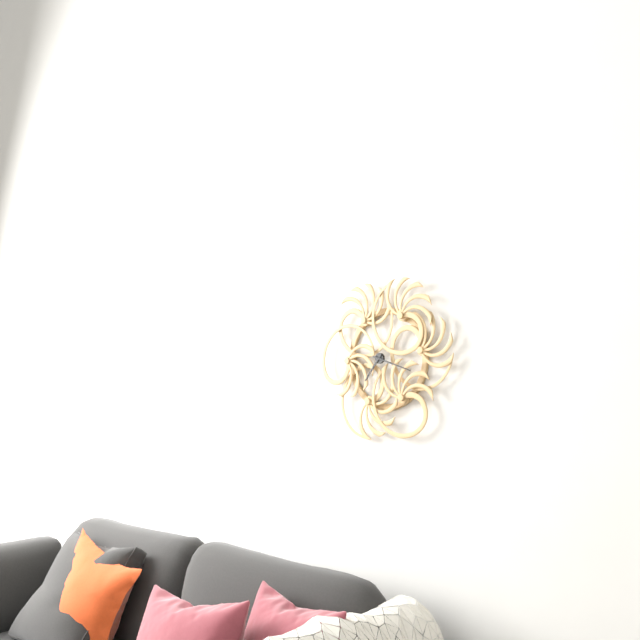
7:18
